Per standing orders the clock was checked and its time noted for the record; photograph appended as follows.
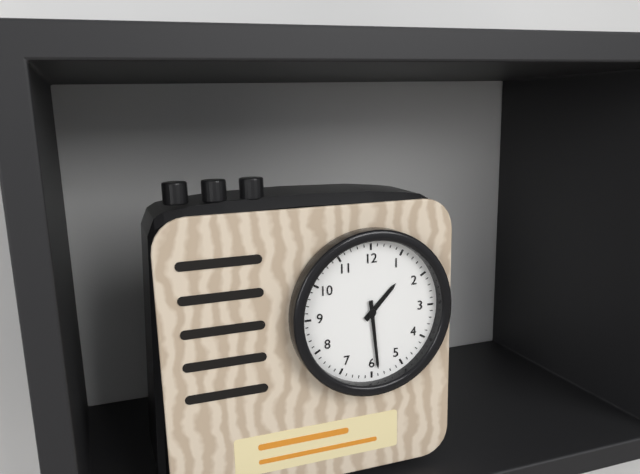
1:29
